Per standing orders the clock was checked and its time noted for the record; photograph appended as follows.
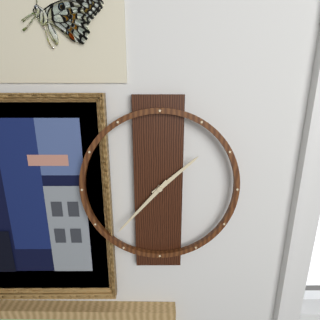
1:37
